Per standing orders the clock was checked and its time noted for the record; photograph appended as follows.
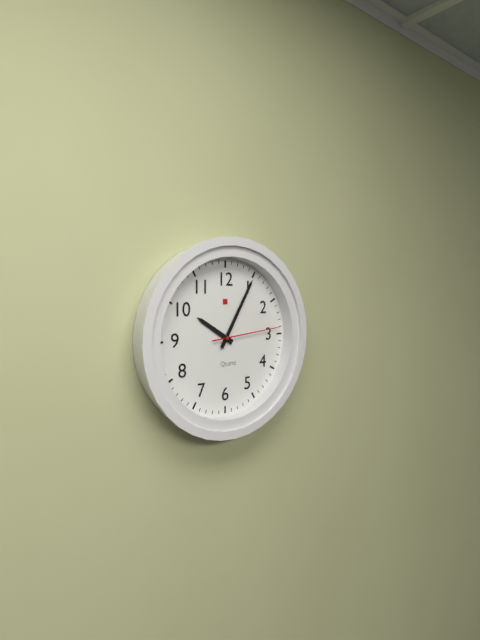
10:05:14
